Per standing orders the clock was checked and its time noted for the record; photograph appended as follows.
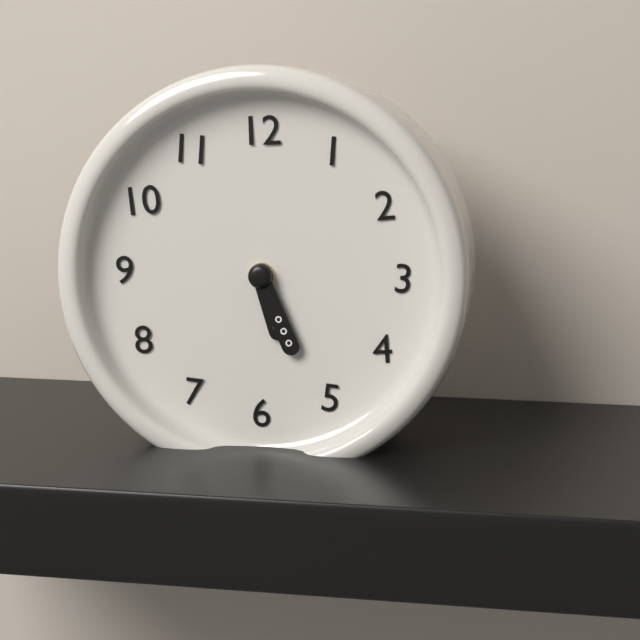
5:26
